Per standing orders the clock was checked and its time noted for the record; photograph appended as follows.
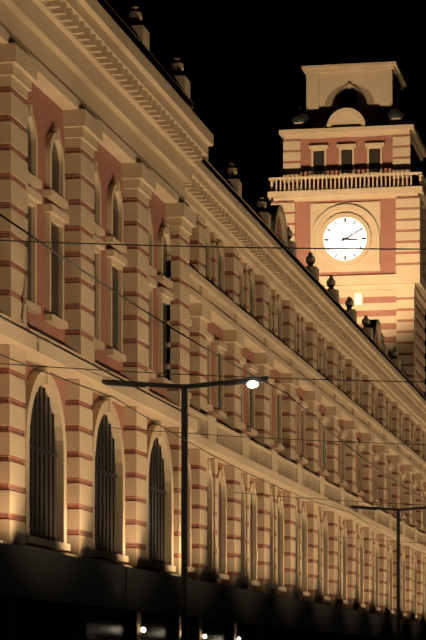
3:10
